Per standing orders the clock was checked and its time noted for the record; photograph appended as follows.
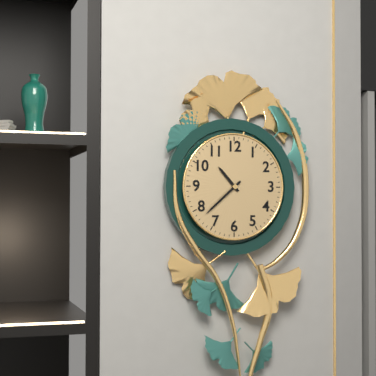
10:38
